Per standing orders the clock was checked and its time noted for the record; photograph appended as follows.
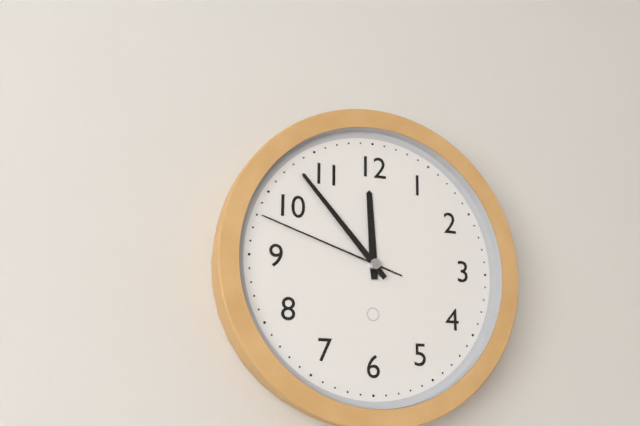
11:53:48
